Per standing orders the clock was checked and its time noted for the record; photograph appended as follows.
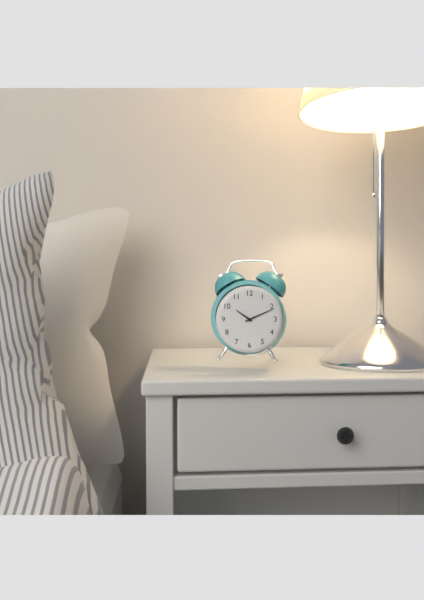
10:11
